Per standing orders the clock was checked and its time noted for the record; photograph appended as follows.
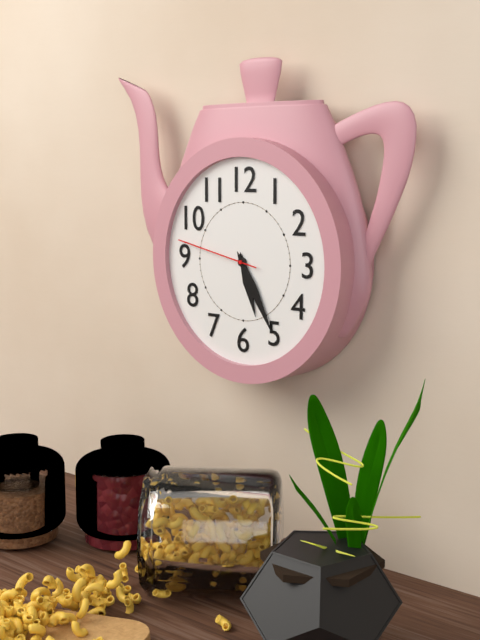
5:25:47
